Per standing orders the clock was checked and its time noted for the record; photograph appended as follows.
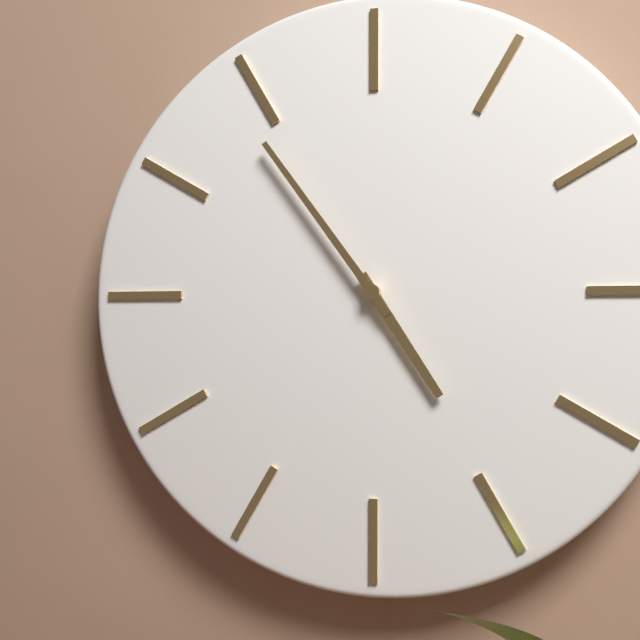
4:54
